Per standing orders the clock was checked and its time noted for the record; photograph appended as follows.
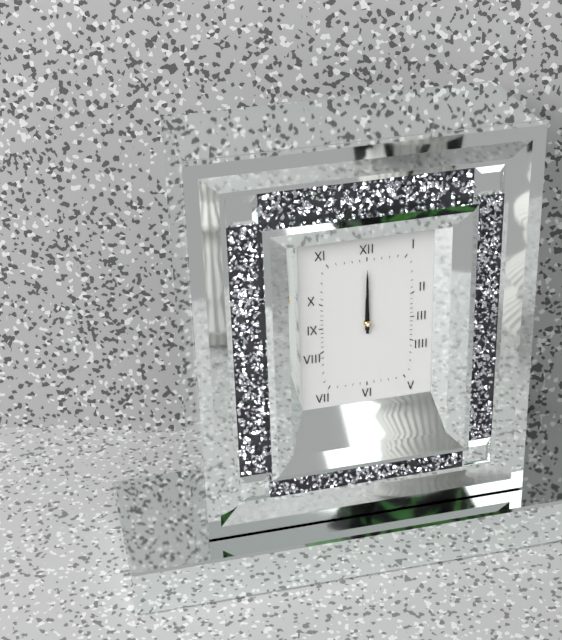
12:00
